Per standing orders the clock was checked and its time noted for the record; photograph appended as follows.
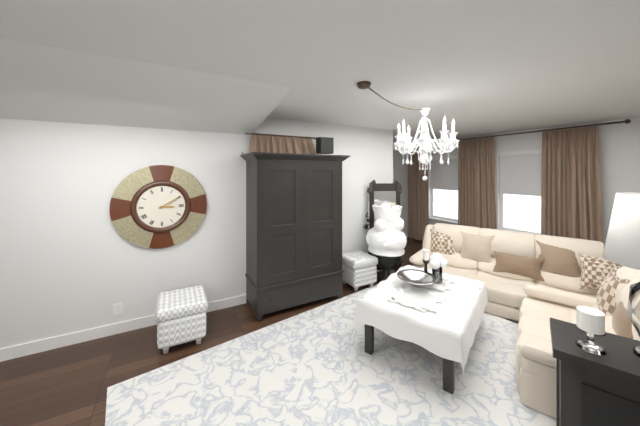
3:10
